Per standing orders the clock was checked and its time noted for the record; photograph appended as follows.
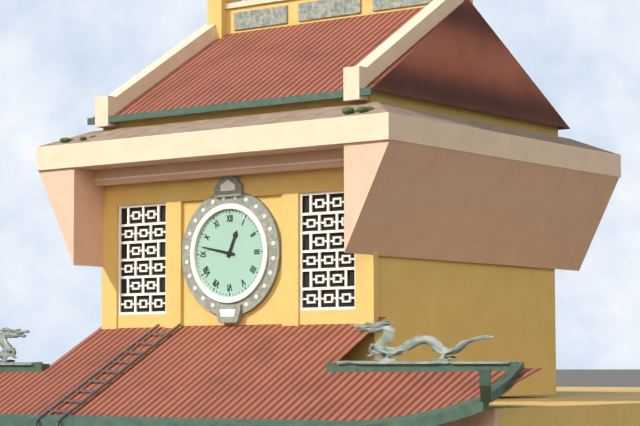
12:47
